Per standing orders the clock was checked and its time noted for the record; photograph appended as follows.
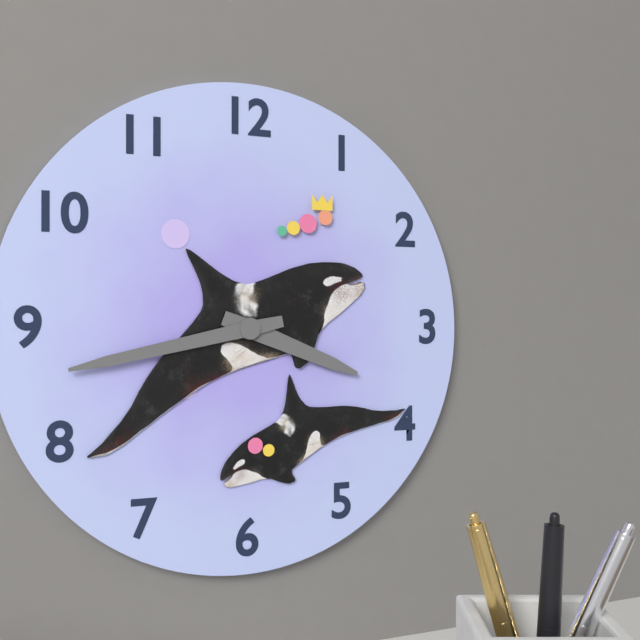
3:43
